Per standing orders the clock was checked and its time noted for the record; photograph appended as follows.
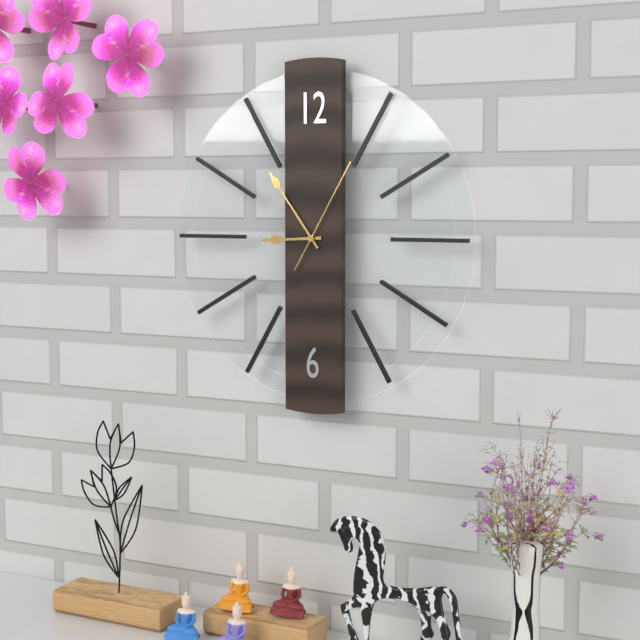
8:54:05
